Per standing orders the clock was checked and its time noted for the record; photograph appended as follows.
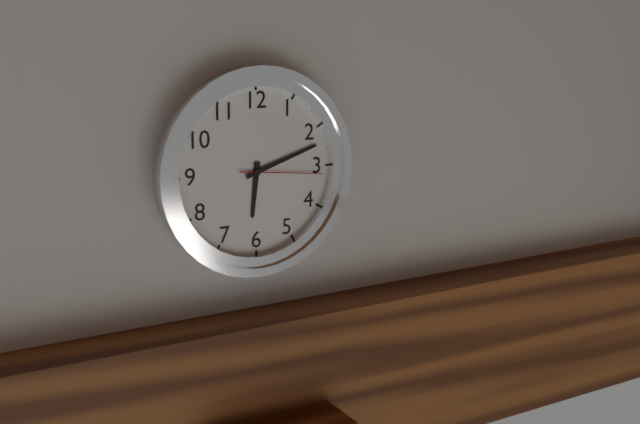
6:12:16
